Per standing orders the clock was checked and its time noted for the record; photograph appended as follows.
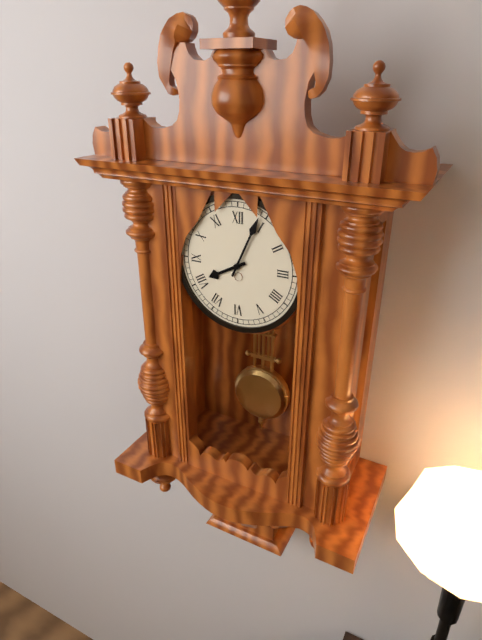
8:04
